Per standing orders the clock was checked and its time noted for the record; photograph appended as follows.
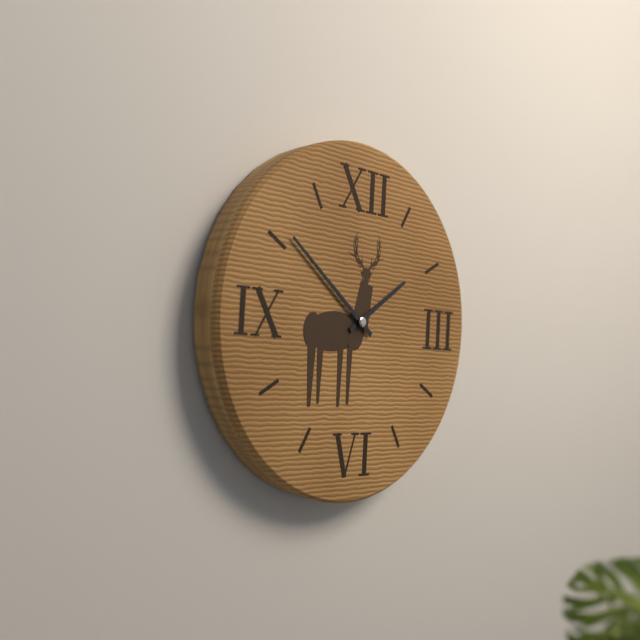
1:51
